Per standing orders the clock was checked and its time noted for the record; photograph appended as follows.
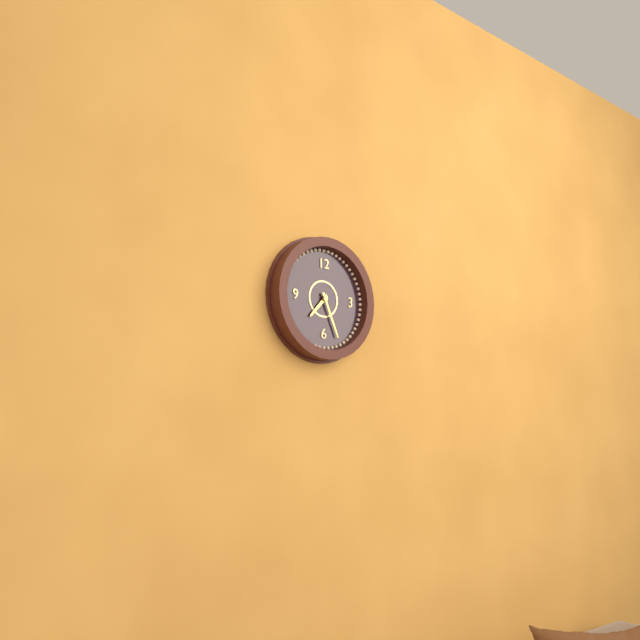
7:26
